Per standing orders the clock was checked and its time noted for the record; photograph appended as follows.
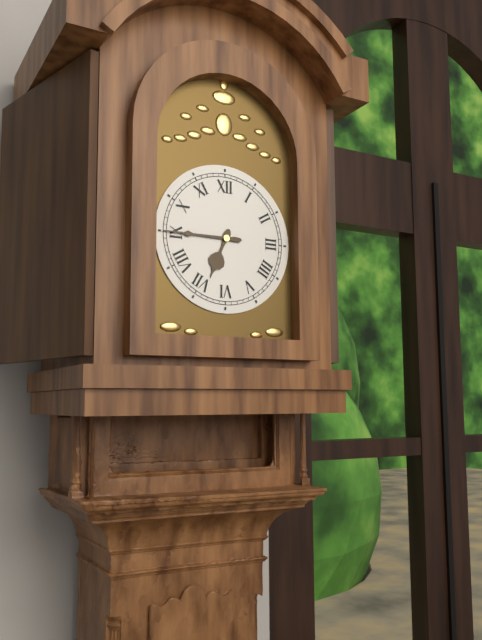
6:45
